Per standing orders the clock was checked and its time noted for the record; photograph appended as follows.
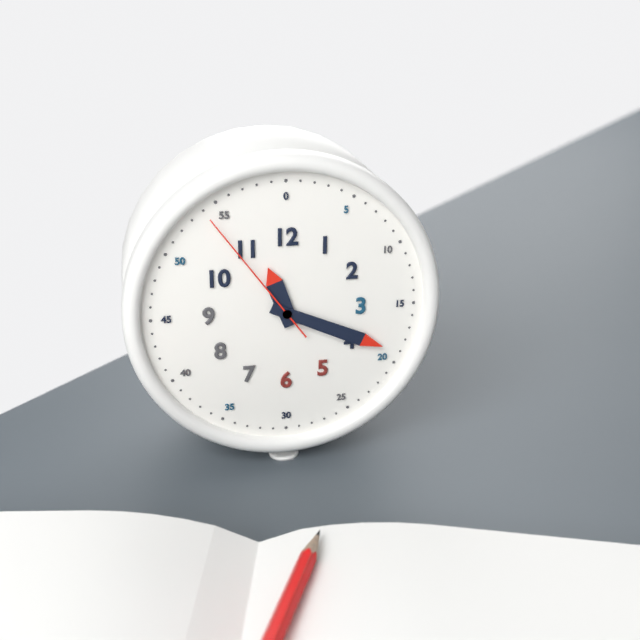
11:19:54
